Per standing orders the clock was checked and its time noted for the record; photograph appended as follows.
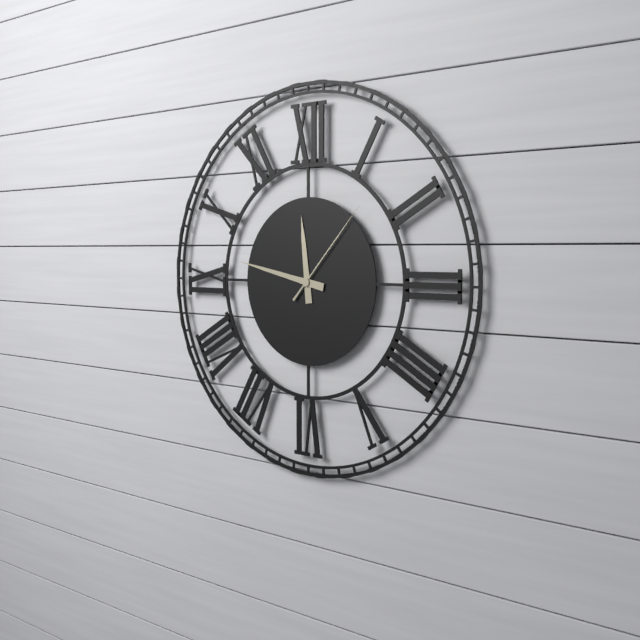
11:47:07
